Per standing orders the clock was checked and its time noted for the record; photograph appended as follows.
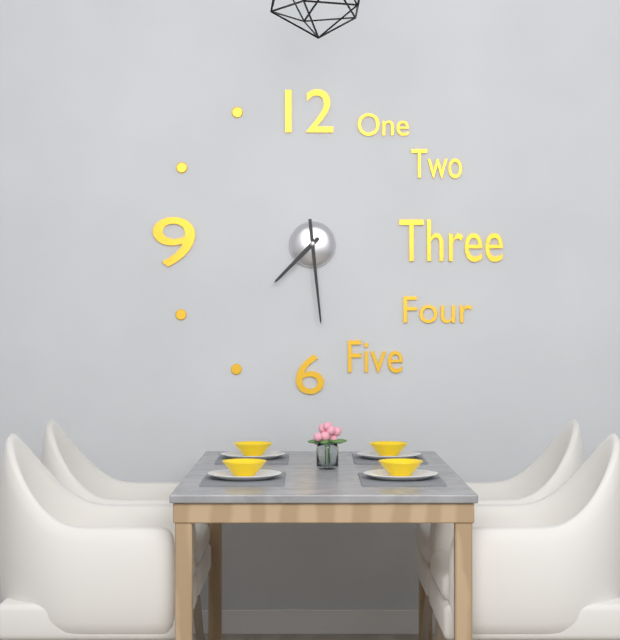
7:29
